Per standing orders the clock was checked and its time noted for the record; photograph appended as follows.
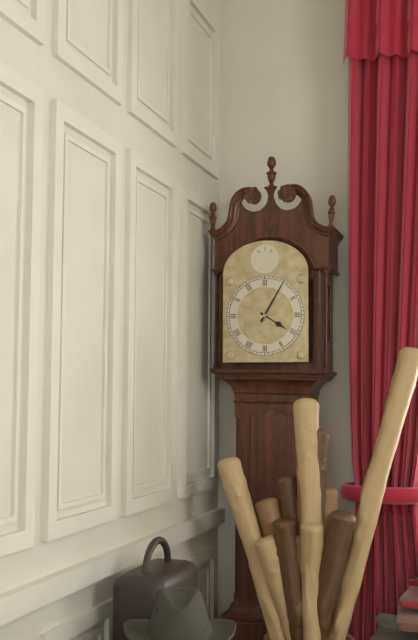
4:05
